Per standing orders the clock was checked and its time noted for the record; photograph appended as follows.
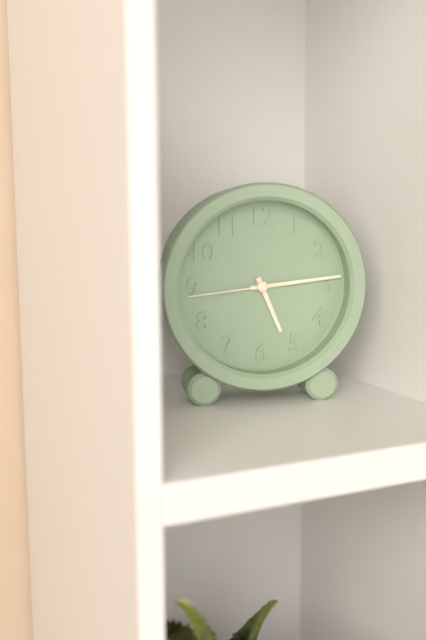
5:14:44
